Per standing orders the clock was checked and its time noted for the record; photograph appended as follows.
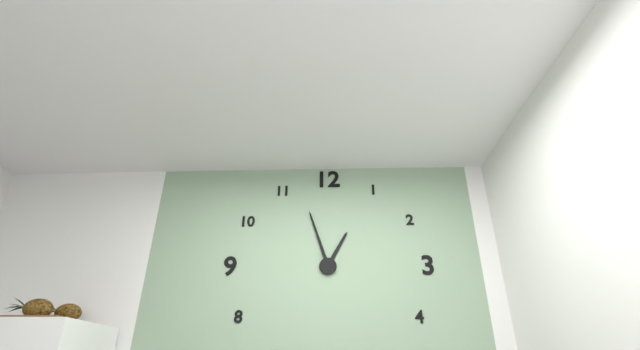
12:57
